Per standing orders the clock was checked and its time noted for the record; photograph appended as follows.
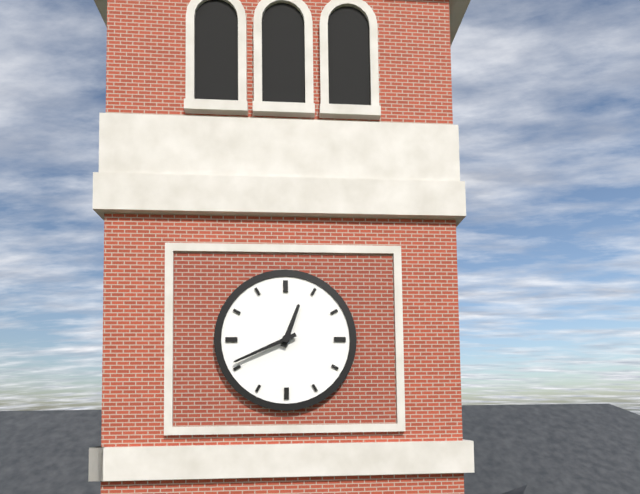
12:41
